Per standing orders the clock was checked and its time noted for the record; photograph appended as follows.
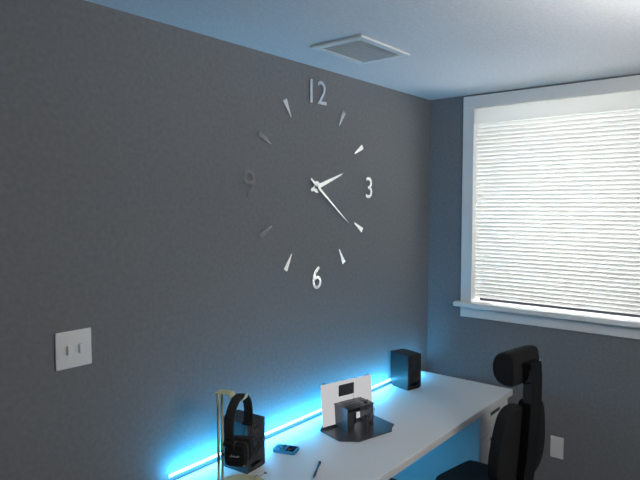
2:21
